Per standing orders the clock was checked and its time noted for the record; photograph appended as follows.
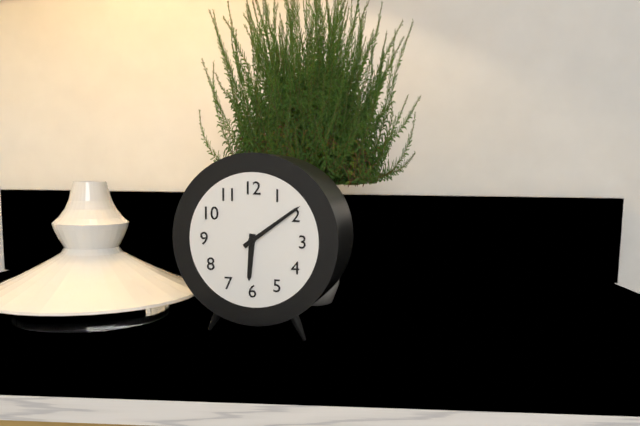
6:09
